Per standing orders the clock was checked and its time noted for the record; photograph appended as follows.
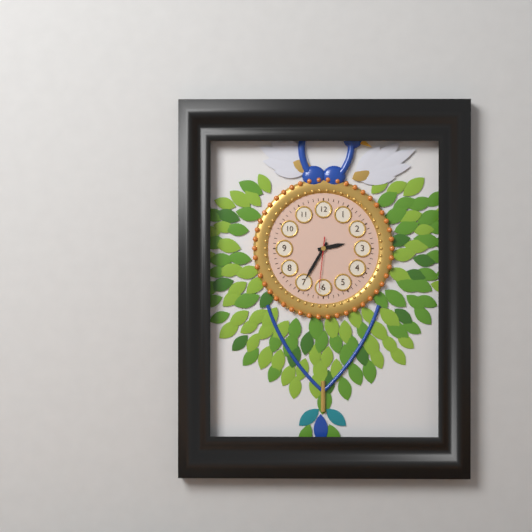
2:35:31
